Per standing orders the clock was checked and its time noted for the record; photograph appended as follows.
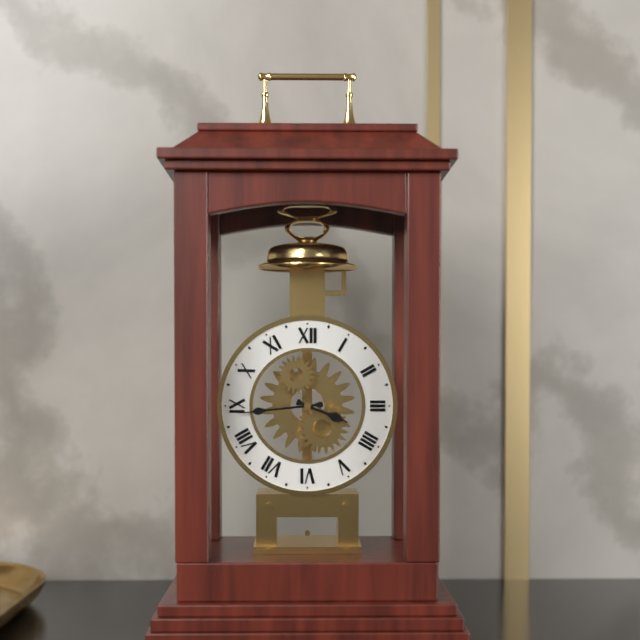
3:44
